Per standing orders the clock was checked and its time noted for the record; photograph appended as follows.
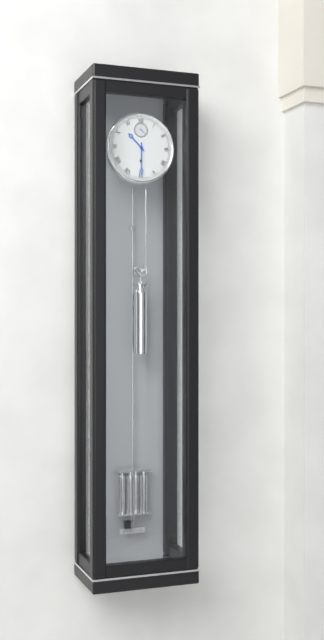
10:30
